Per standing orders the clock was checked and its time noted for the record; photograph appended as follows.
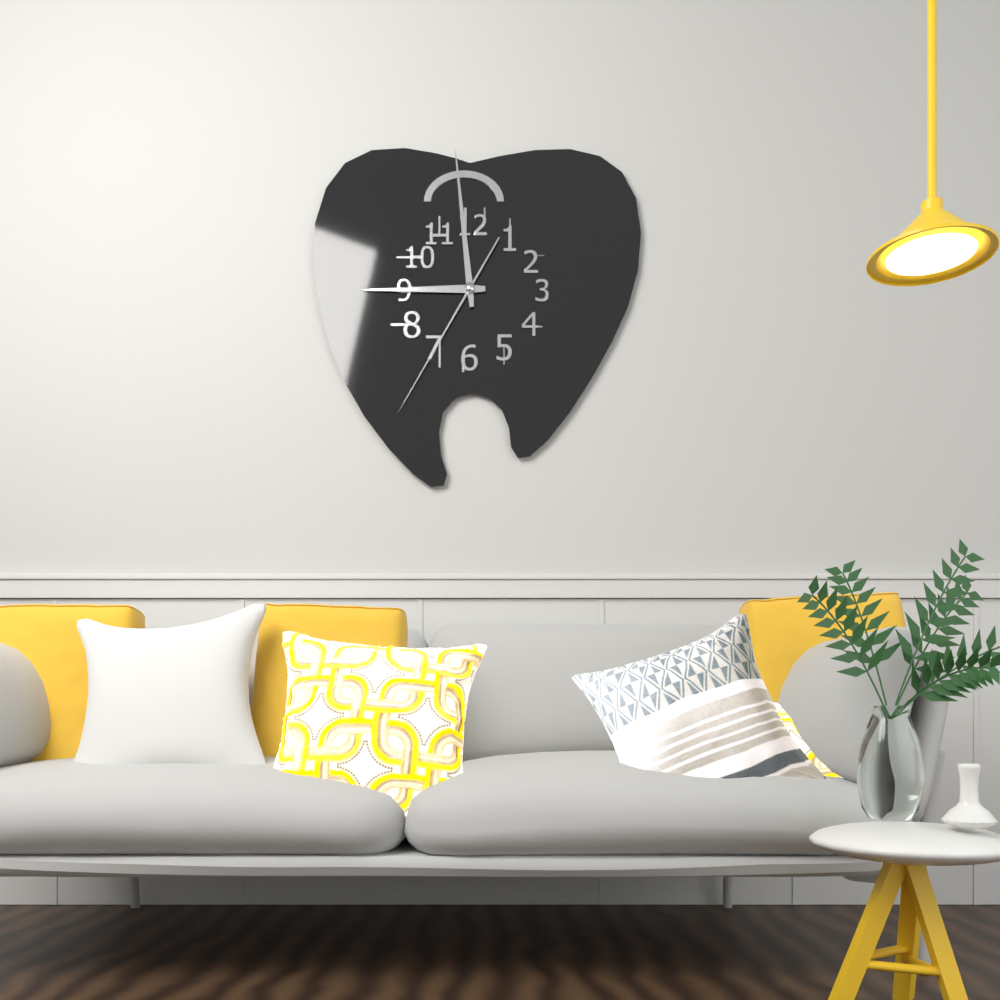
8:59:35
